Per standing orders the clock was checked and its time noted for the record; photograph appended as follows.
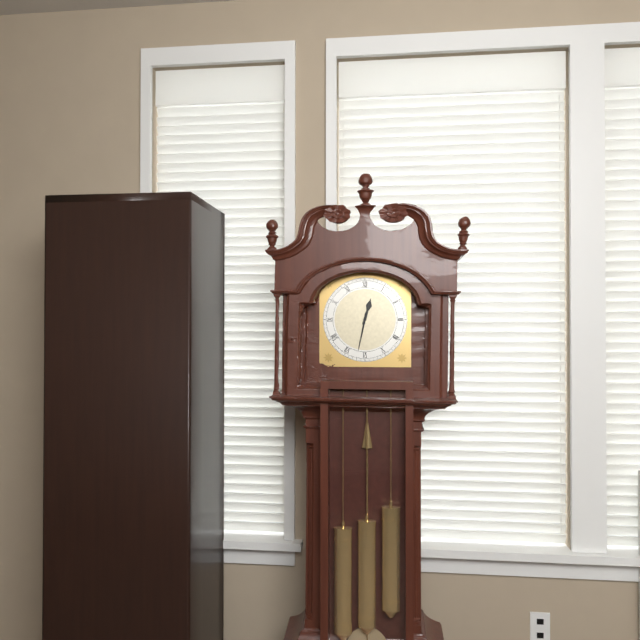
12:32
